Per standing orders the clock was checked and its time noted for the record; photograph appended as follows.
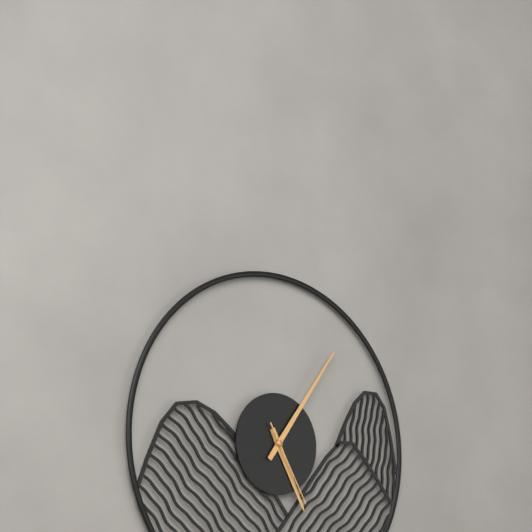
5:06:25
